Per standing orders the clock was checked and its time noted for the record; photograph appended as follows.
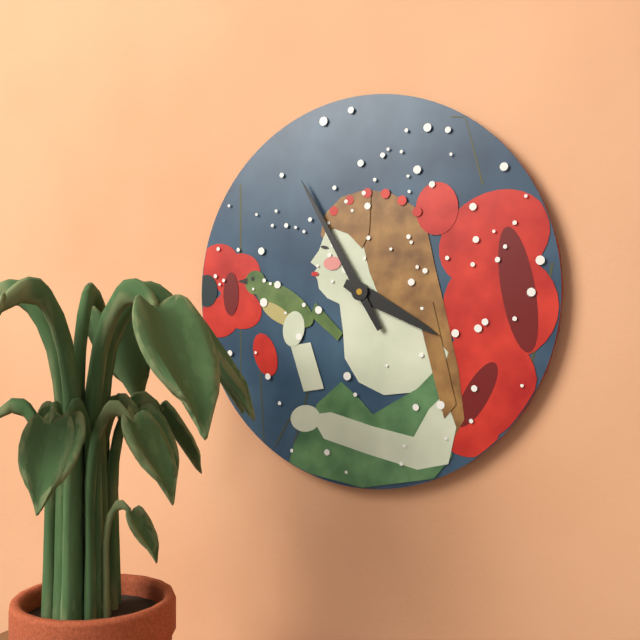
3:55
